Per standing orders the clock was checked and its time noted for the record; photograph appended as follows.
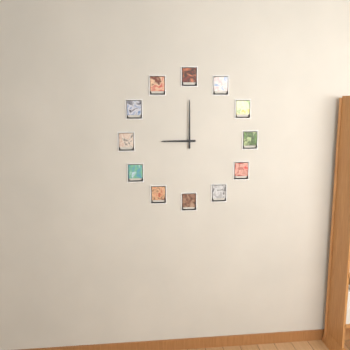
9:00
